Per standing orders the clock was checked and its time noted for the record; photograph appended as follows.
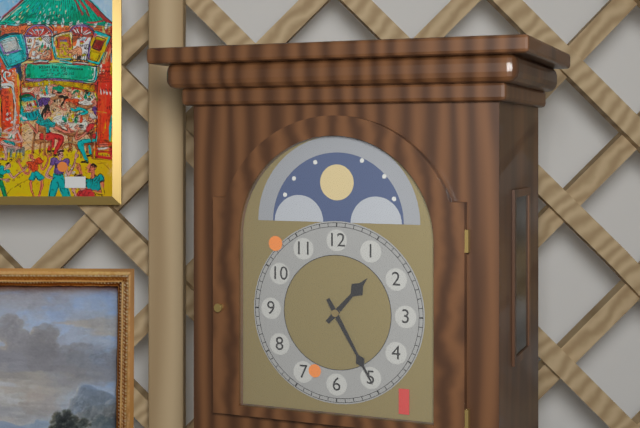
1:25
